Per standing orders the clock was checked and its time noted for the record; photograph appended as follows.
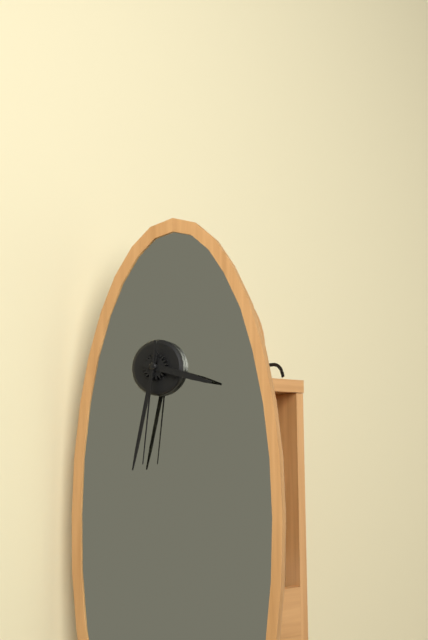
3:32:31
